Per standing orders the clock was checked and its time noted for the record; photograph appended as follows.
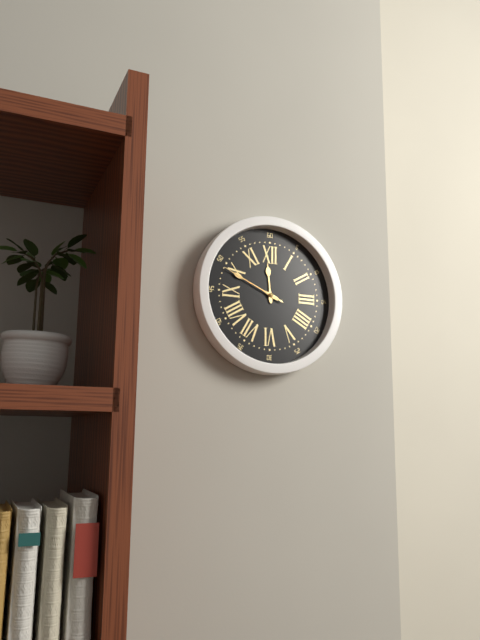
11:49:49
